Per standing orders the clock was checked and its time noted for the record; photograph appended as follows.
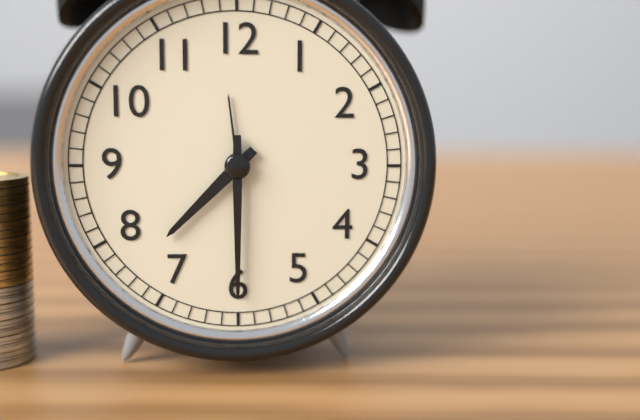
7:30
